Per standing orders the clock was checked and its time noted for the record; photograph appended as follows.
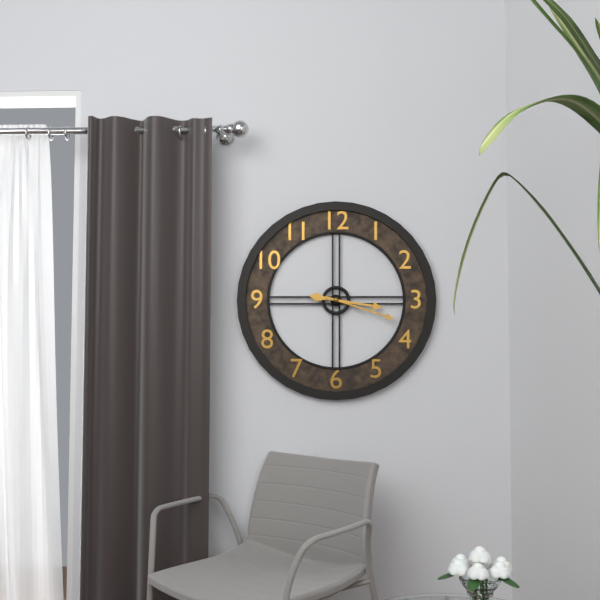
3:18
